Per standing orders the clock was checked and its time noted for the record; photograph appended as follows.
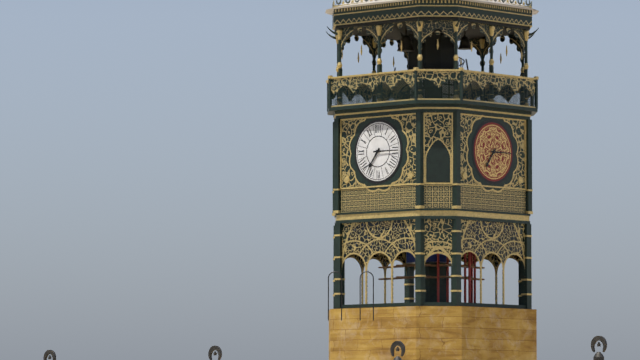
7:15
